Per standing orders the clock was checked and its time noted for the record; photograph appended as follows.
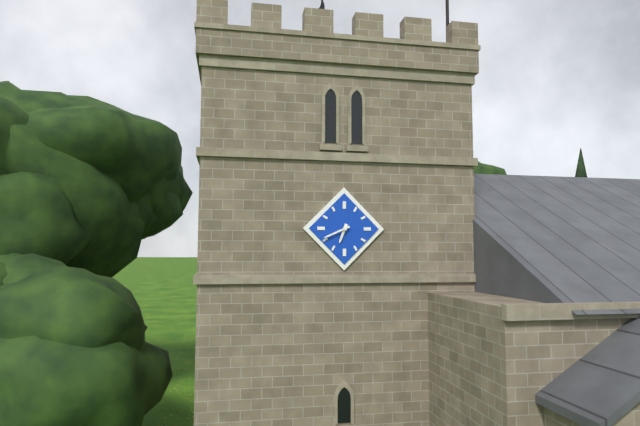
6:41
